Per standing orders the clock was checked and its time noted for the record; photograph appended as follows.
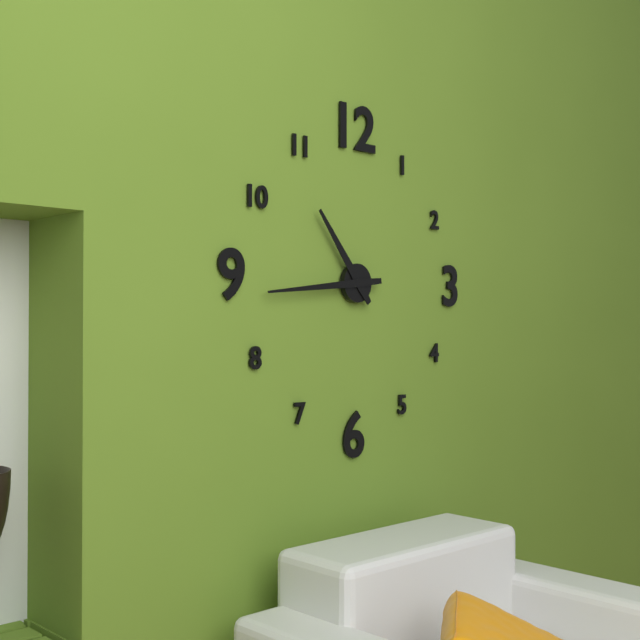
10:44
